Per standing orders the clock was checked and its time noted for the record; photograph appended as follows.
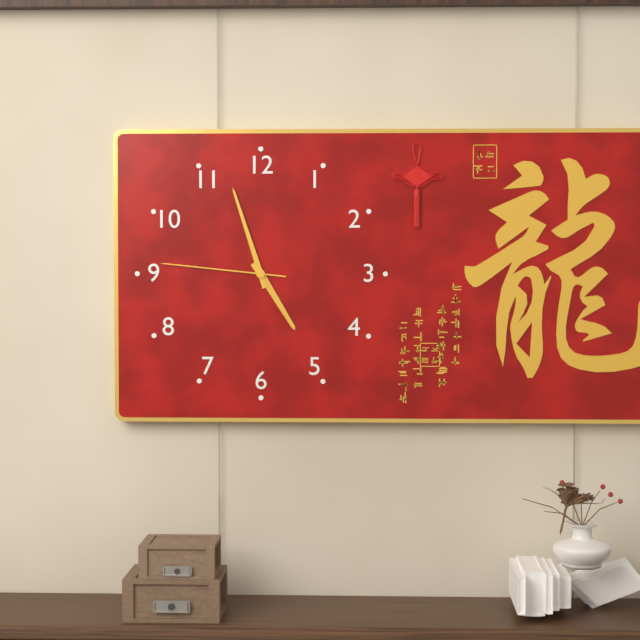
4:57:46
